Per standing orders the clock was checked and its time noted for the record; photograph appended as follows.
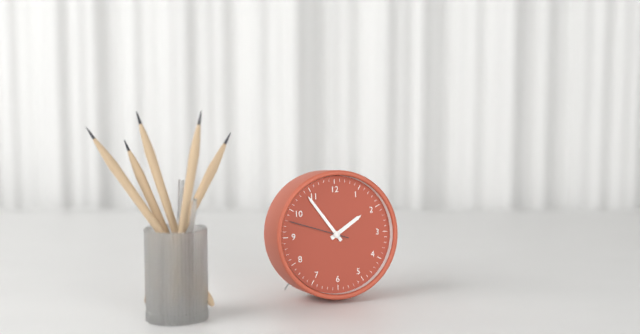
1:54:48
